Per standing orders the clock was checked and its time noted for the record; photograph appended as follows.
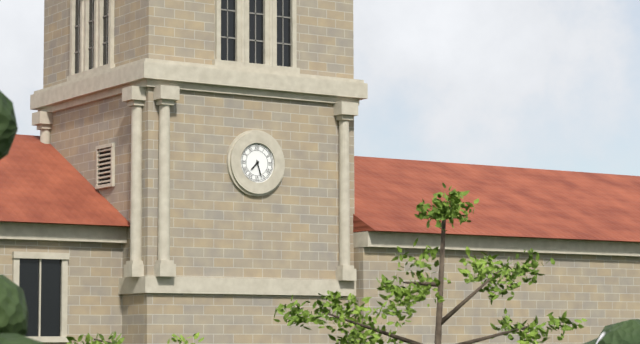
7:27
